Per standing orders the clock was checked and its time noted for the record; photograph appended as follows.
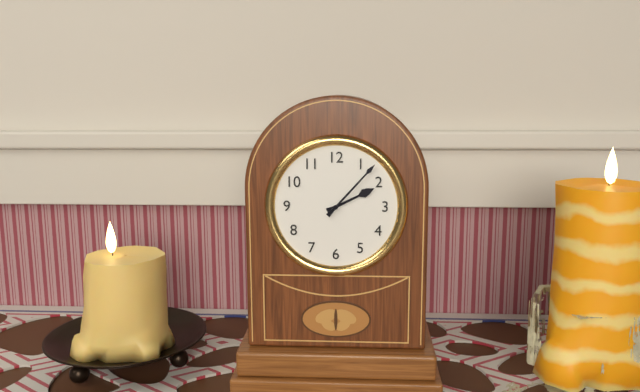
2:07
